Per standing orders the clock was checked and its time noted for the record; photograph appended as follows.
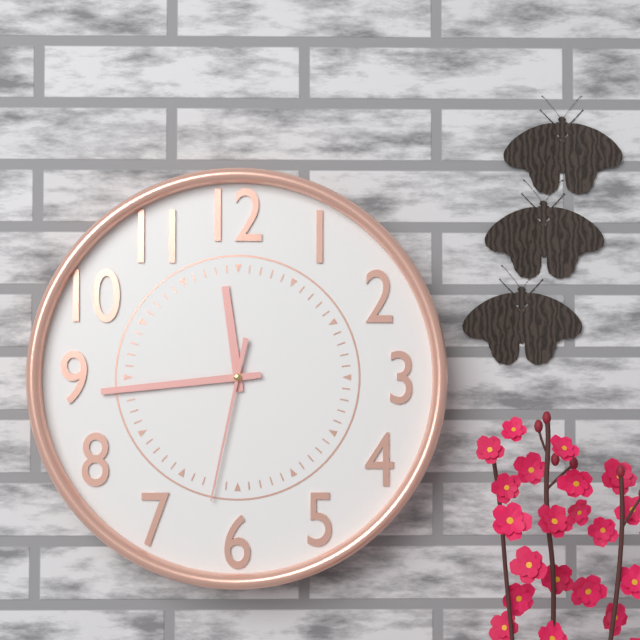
11:44:32
